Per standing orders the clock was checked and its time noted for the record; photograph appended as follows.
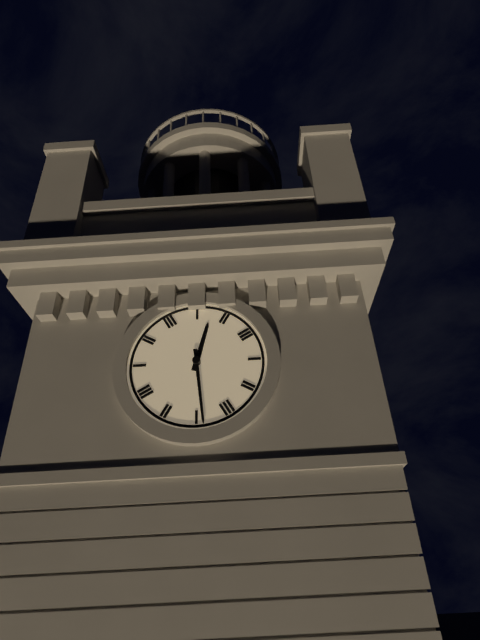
12:29
